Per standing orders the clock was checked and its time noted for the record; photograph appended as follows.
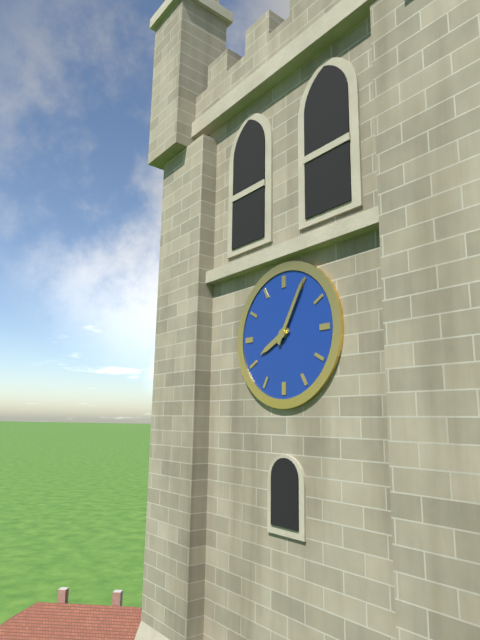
8:05
